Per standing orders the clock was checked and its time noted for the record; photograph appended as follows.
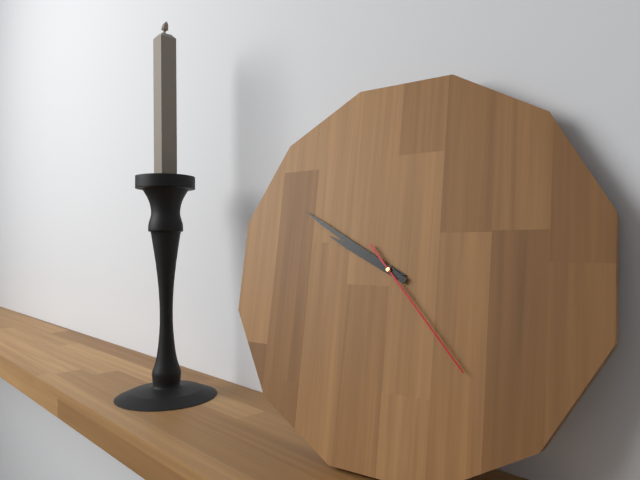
9:50:23
